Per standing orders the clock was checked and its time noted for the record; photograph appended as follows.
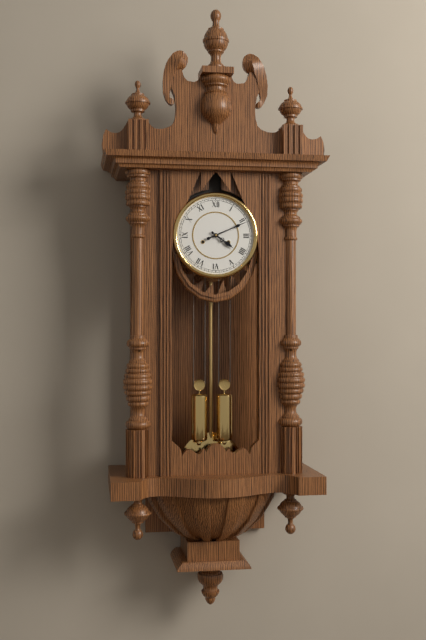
4:11
